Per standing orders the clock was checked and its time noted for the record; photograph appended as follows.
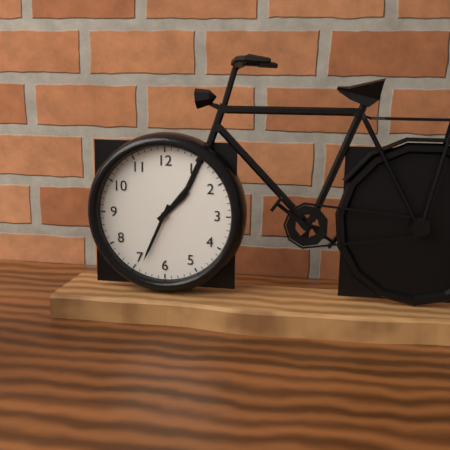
1:34
